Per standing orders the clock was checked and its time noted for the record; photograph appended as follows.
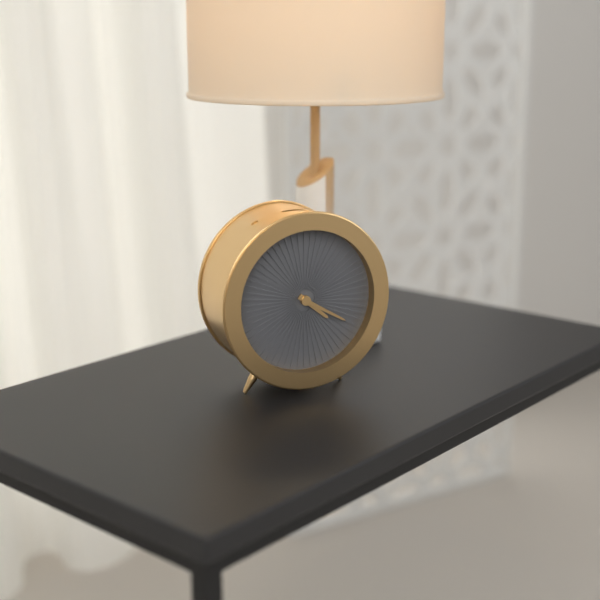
4:20
